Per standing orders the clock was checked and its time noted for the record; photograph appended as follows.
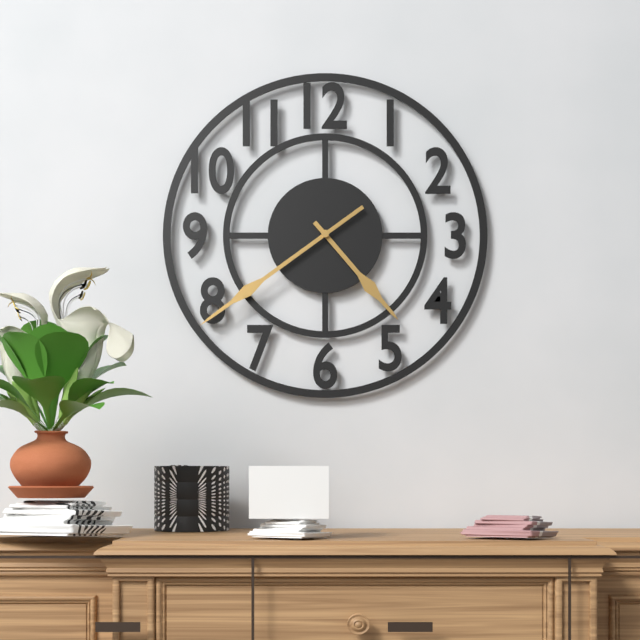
4:39
